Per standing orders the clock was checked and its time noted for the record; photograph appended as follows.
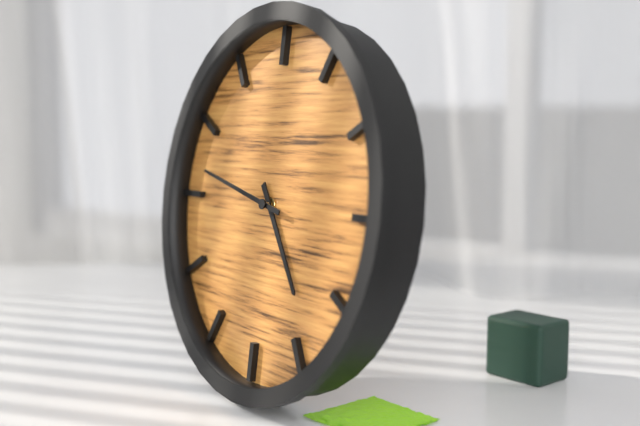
4:47
